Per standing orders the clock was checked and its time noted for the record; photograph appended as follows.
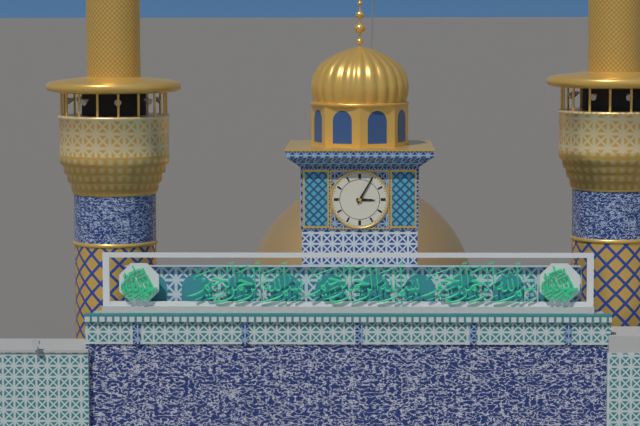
3:05
